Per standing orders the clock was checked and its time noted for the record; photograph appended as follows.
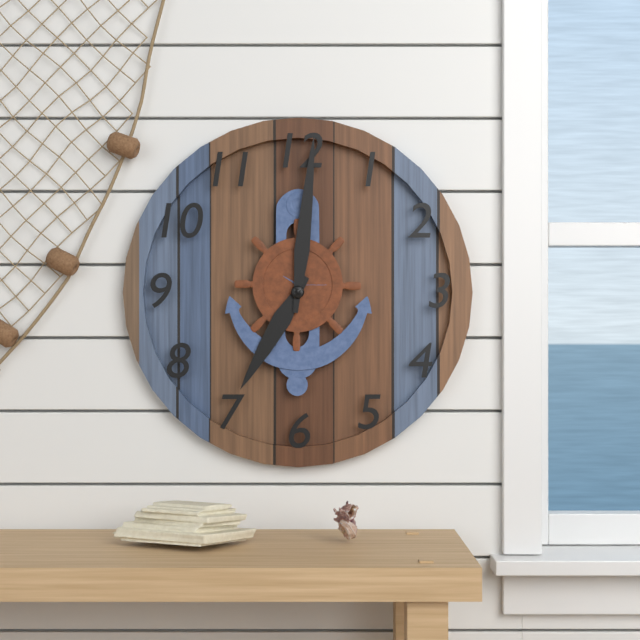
7:01
